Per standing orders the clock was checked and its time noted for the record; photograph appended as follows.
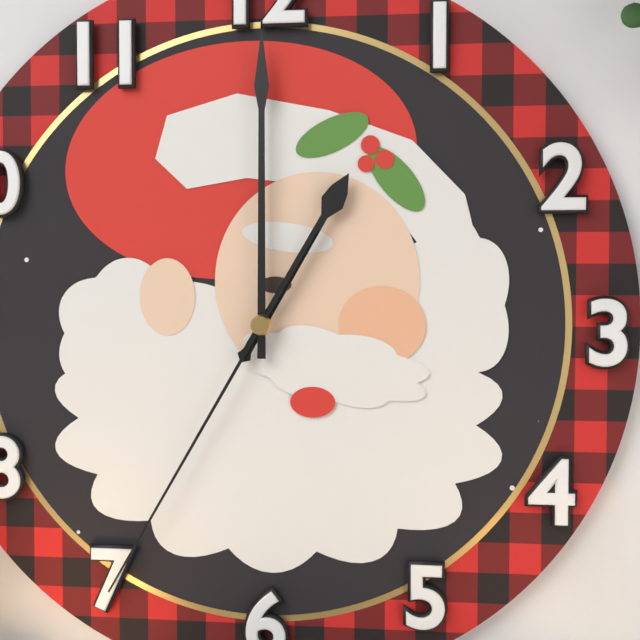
1:00:35
